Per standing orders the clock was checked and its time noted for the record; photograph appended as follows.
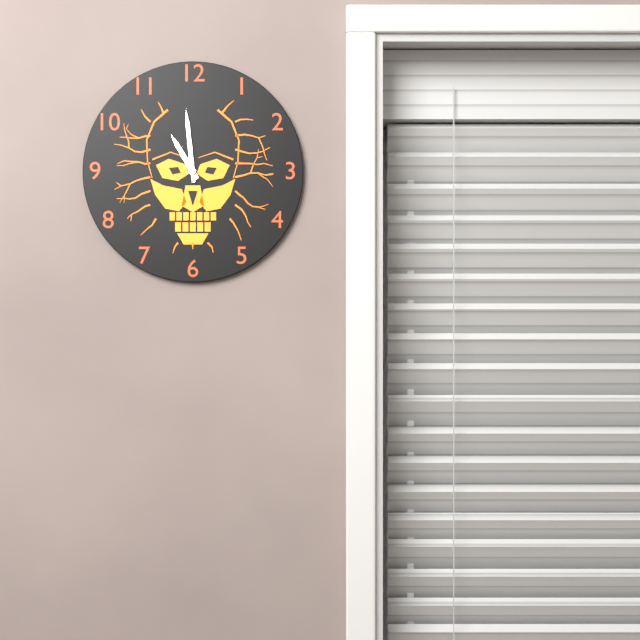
10:59
